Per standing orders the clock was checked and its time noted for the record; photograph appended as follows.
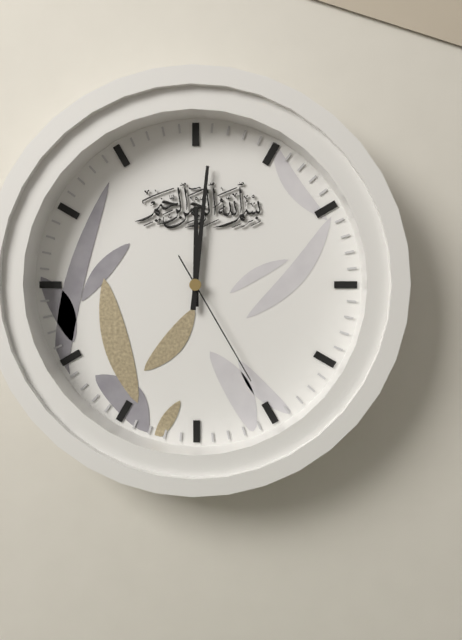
12:01:25
